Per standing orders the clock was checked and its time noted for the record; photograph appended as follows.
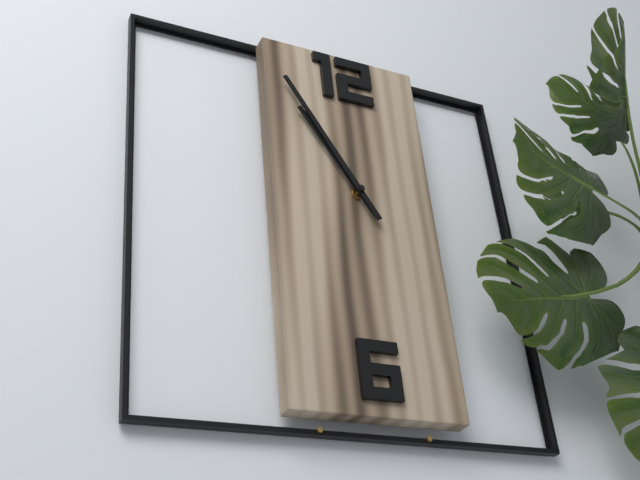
10:55
